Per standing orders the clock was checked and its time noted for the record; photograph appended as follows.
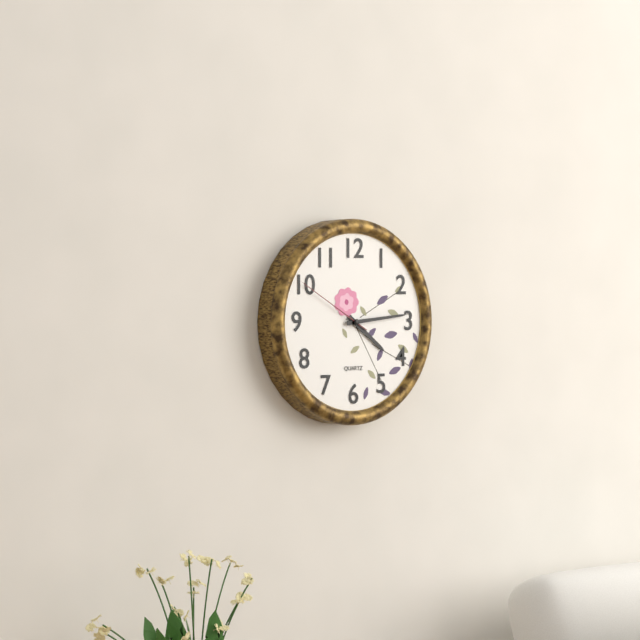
4:14:50
